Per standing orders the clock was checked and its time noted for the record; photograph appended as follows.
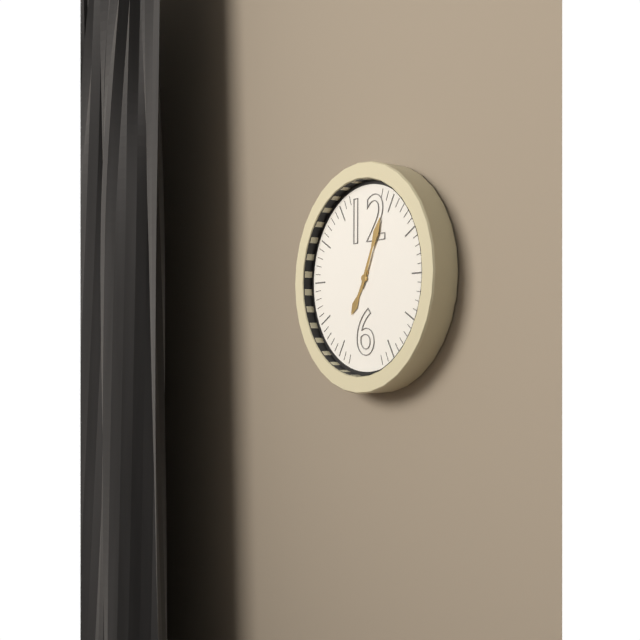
7:04
